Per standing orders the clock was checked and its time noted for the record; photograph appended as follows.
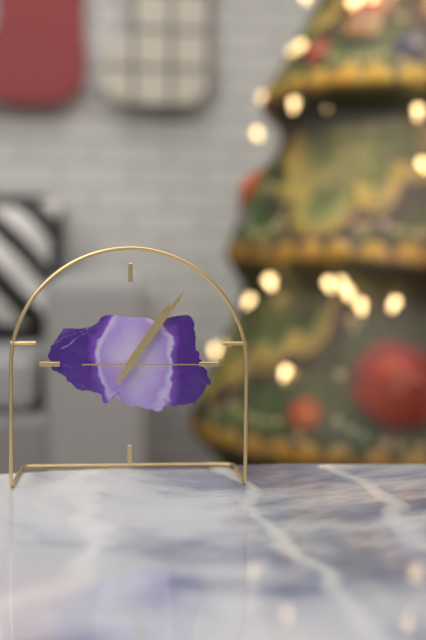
1:06:15
